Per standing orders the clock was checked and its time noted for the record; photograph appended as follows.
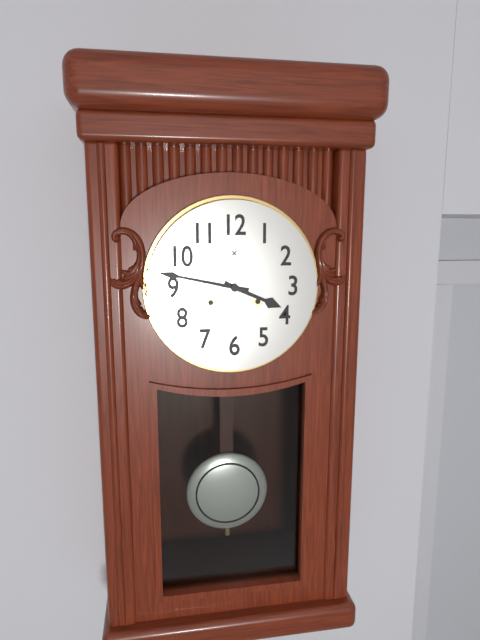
3:47
